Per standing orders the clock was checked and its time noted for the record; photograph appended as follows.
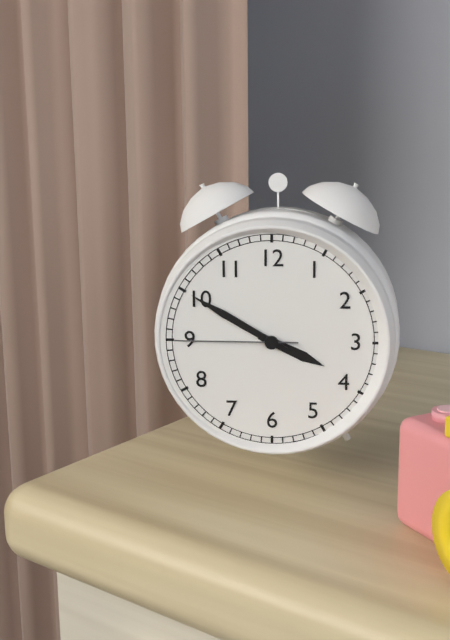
3:50:45
